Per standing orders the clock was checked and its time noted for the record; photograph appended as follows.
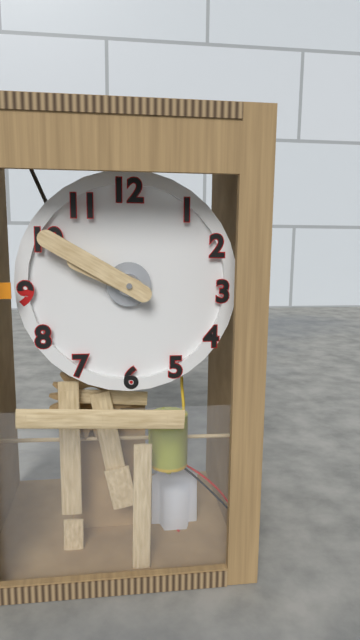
9:50
